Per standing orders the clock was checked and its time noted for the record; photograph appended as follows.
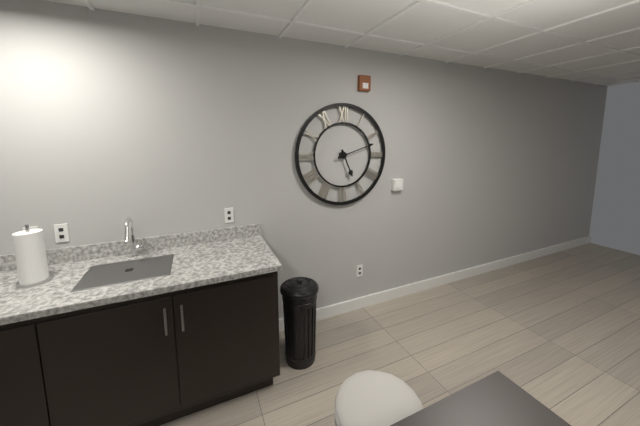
5:12
